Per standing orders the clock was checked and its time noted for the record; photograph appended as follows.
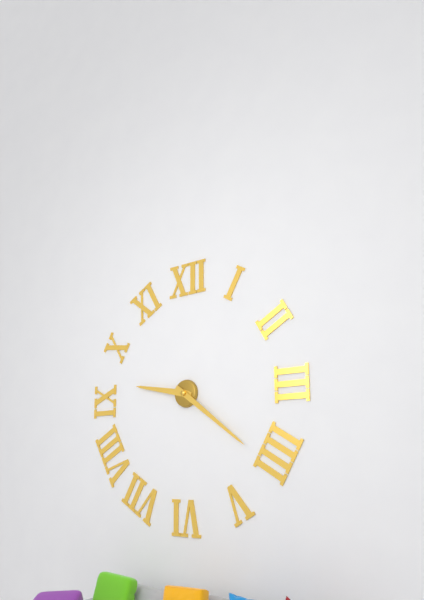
9:21
